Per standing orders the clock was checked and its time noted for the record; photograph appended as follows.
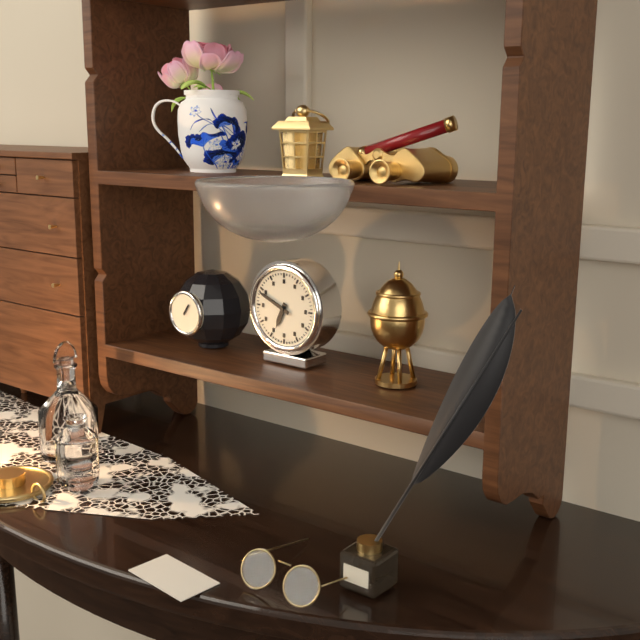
6:49
